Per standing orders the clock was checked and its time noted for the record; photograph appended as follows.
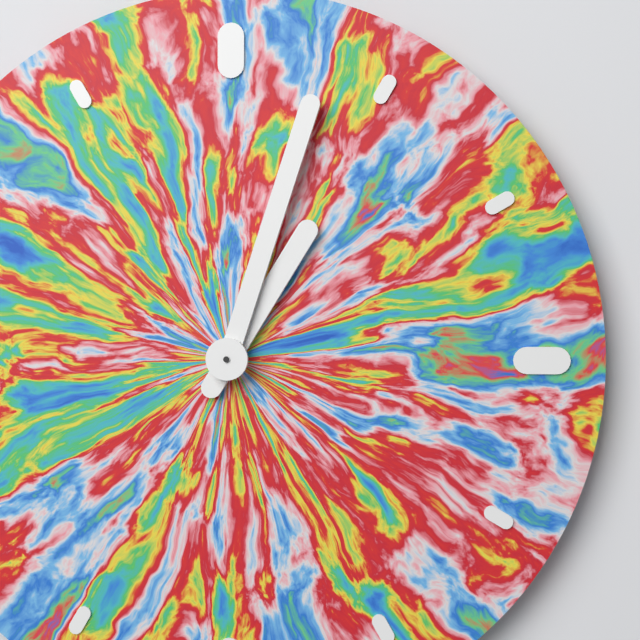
1:03
